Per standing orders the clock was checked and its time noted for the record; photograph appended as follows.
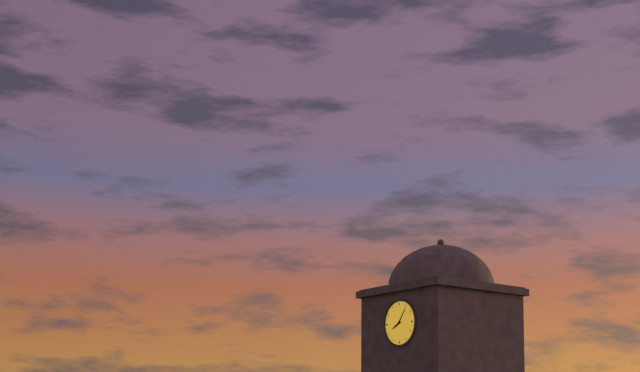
8:06
